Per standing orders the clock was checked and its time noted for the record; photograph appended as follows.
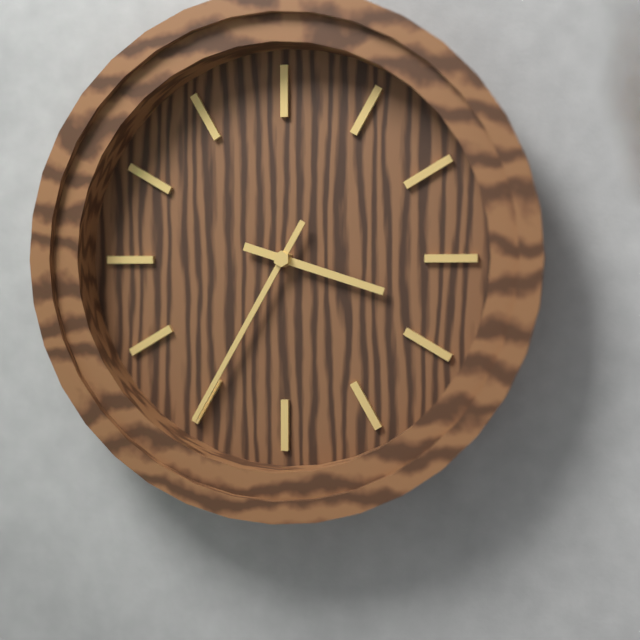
3:35
